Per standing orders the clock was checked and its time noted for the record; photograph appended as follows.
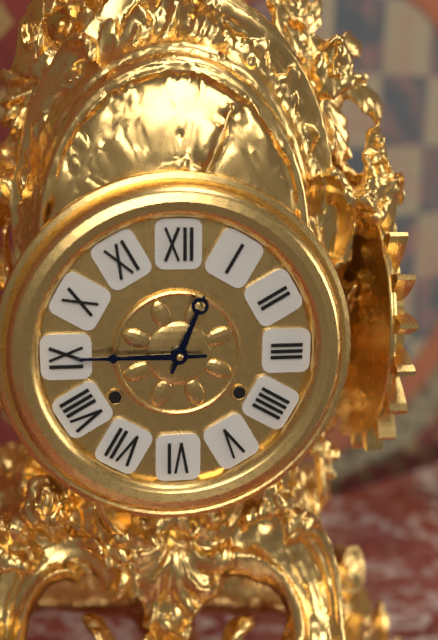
12:45
